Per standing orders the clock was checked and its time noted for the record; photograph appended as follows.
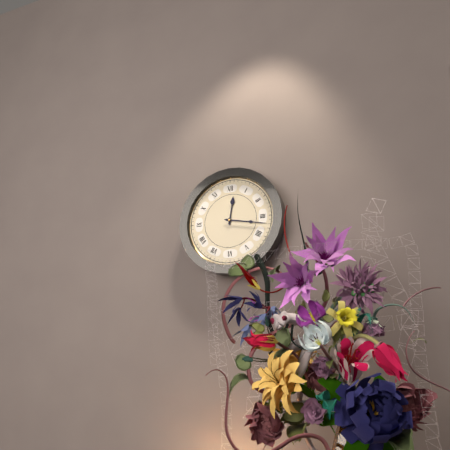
12:17
